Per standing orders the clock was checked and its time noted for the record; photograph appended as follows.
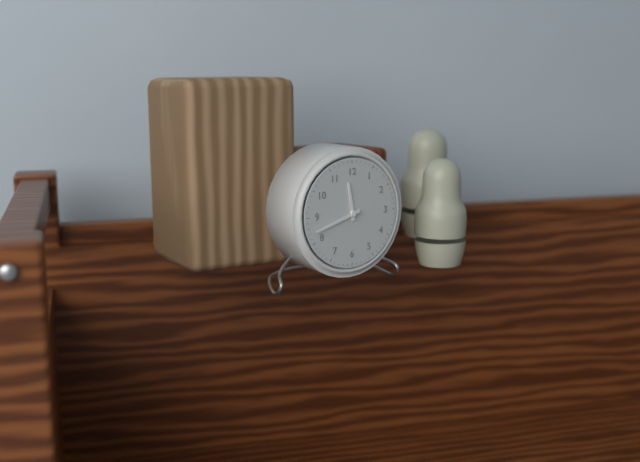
11:42
